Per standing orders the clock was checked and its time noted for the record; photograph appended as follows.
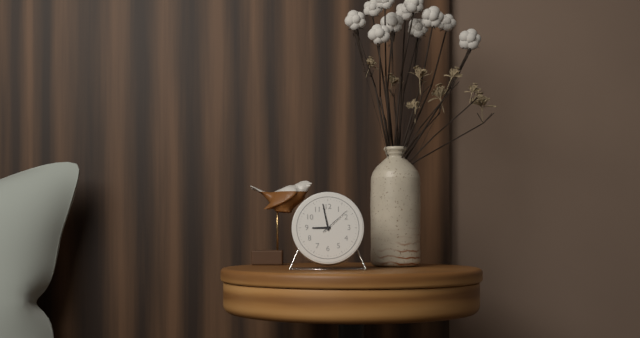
8:58
